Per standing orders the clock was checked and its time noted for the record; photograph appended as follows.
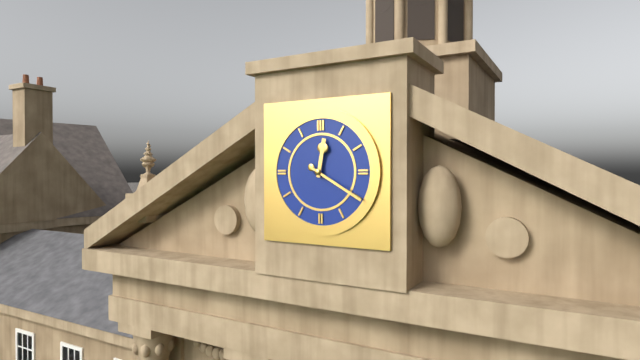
12:20
